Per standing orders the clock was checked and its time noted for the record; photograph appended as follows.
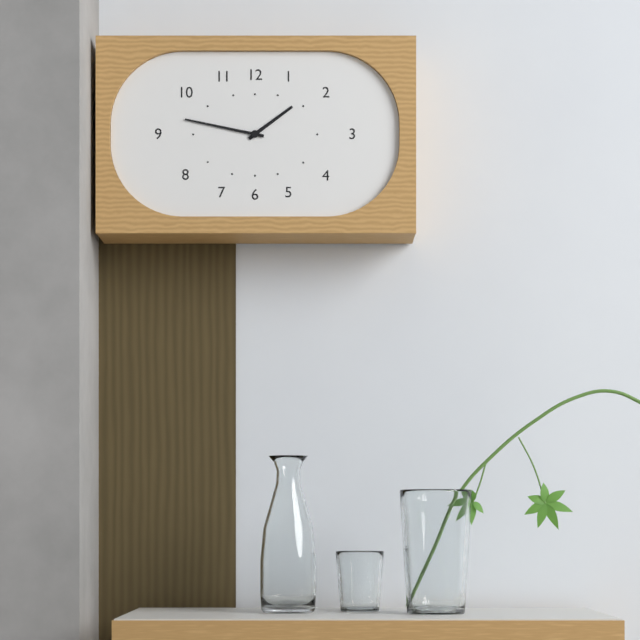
1:47
